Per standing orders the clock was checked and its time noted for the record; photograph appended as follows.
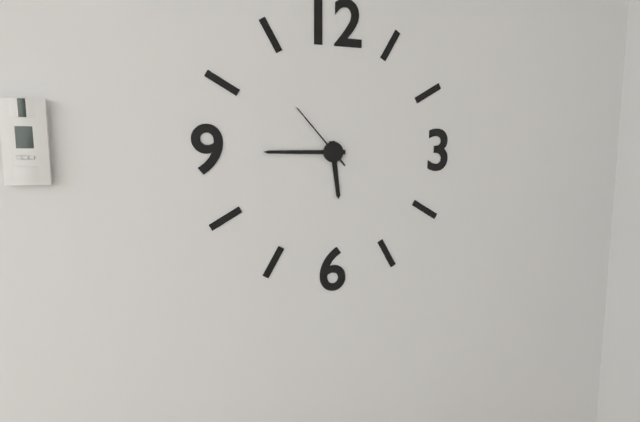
5:45:53
